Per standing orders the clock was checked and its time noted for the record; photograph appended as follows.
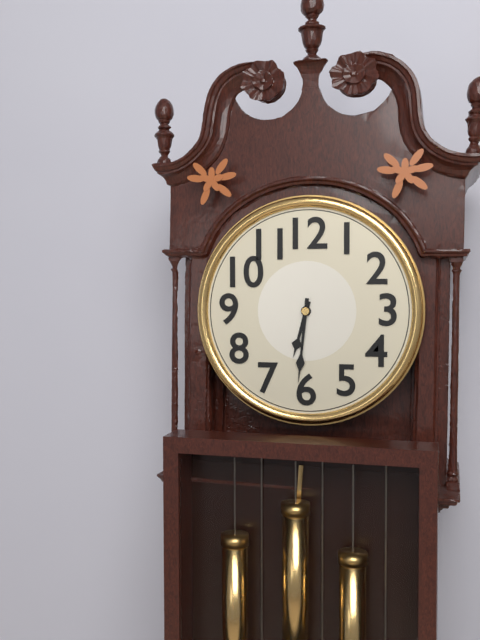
6:31
